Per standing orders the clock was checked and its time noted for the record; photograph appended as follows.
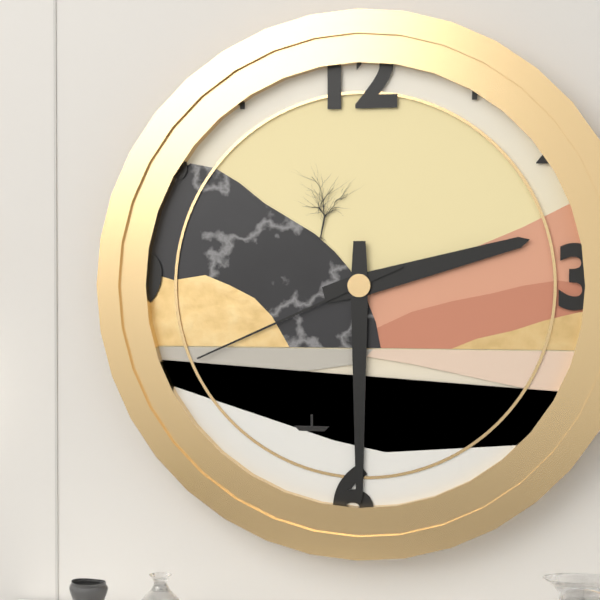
2:30:41
